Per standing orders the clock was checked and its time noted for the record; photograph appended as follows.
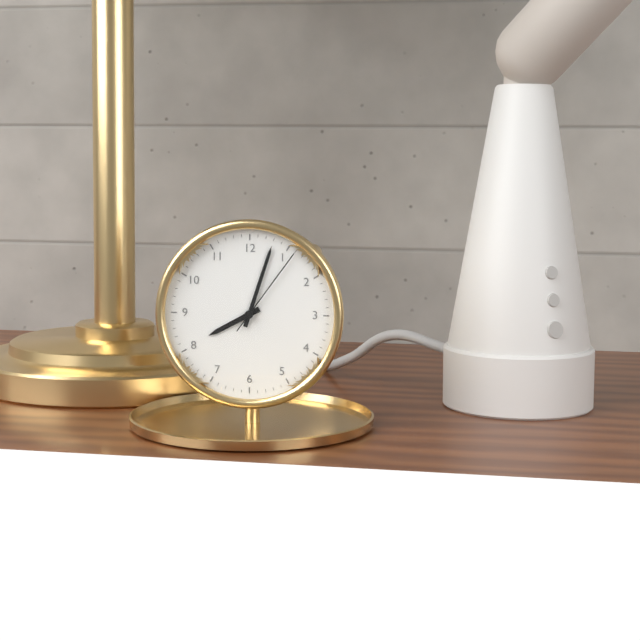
8:03:06
